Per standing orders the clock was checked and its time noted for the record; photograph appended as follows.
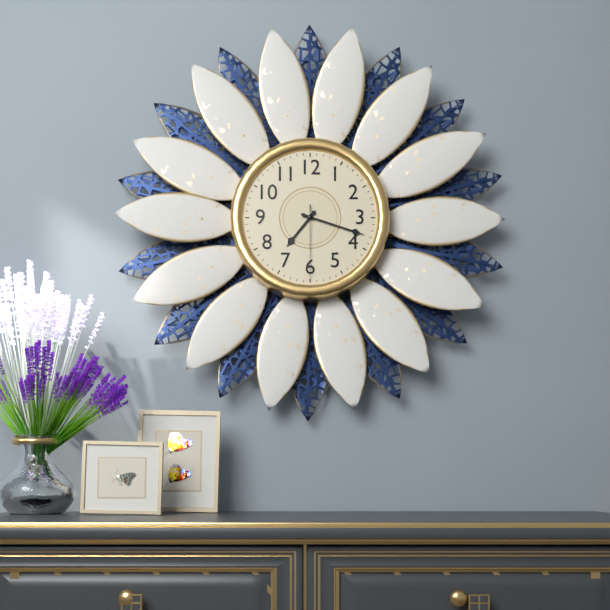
7:18:30
